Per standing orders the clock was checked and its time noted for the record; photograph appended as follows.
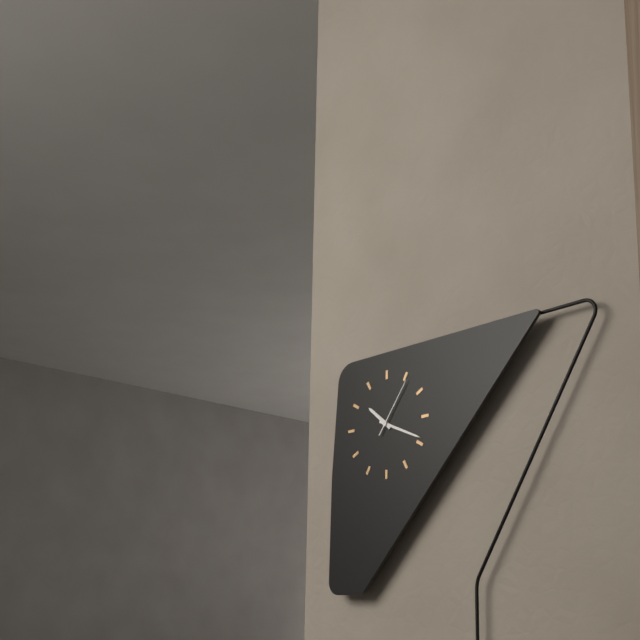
10:19:06
